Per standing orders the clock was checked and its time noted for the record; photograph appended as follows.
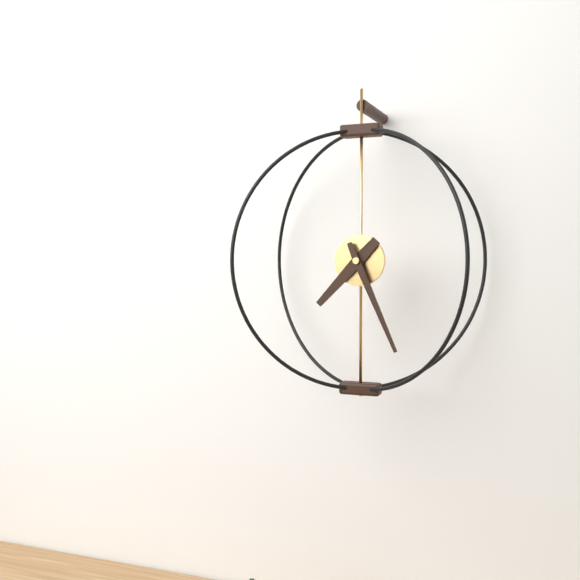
7:26
